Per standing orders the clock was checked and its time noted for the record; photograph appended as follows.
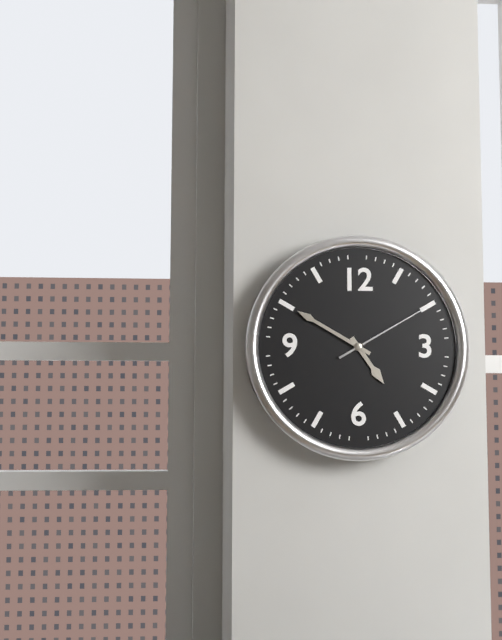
4:50:10
